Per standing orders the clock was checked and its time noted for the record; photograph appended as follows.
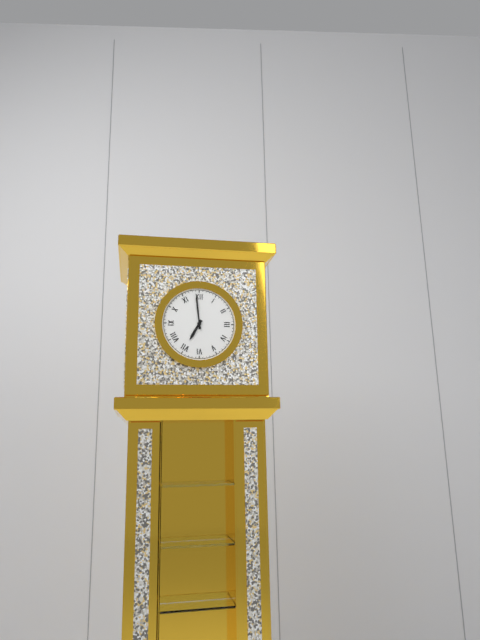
6:59
